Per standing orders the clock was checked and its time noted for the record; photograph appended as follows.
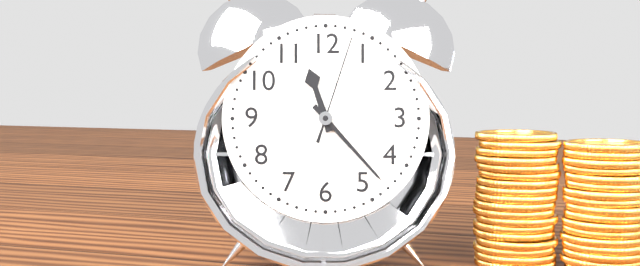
11:23:03
